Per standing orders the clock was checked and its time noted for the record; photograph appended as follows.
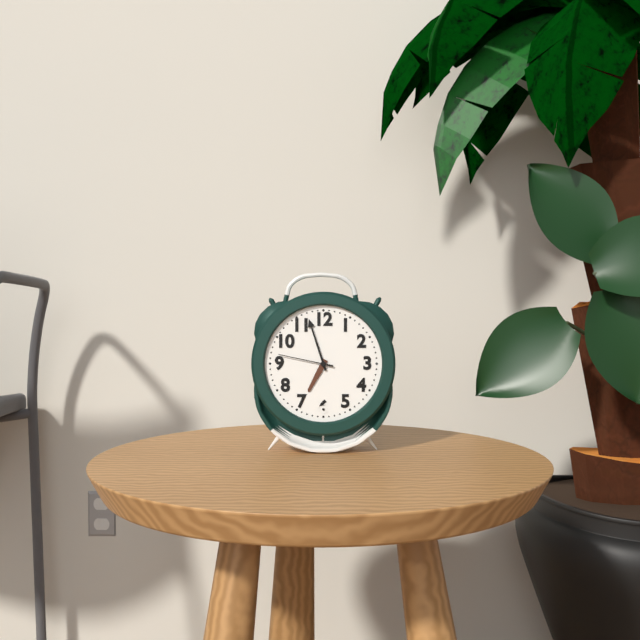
6:57:47
